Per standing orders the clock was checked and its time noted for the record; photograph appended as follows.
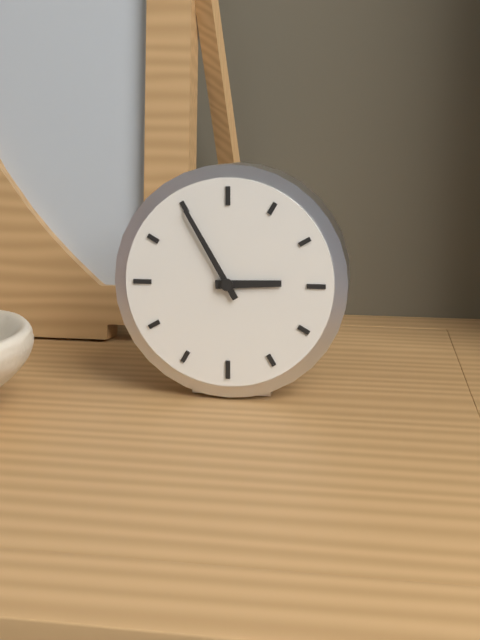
2:55
